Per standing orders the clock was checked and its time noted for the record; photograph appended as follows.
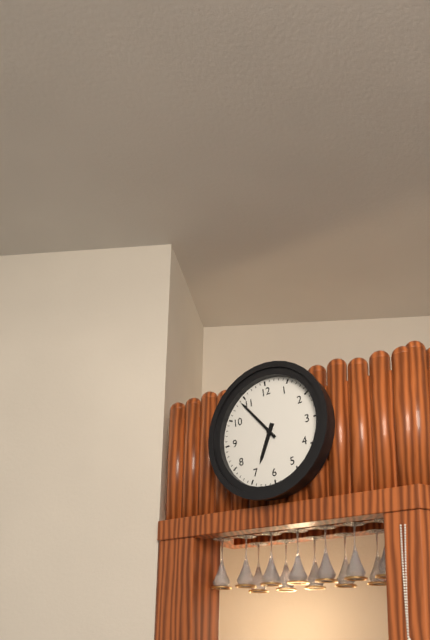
6:54
